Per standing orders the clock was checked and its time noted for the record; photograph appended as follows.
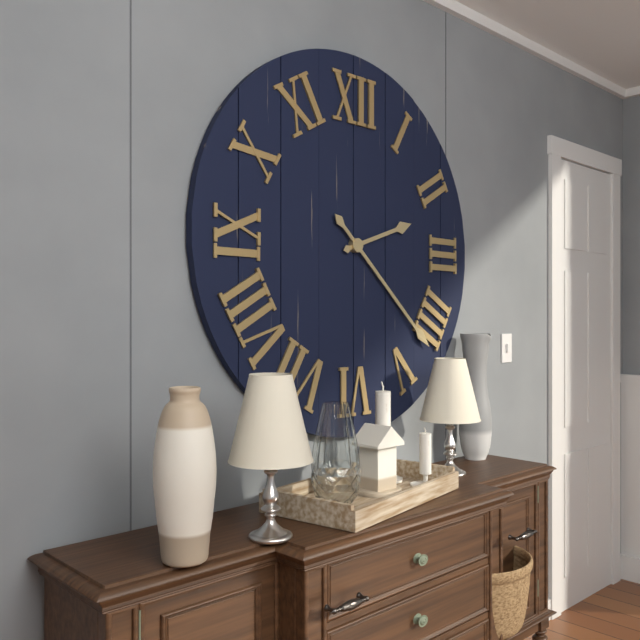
2:22
